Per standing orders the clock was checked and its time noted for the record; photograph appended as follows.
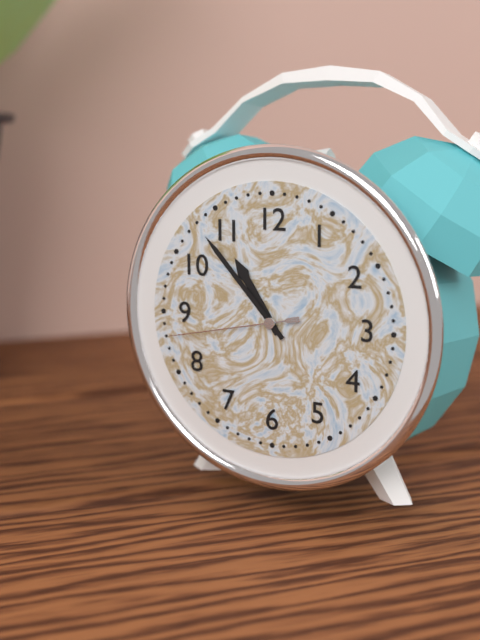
10:53:43
